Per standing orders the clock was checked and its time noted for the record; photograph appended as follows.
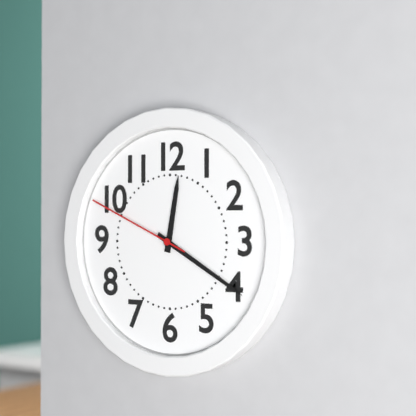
12:20:49
